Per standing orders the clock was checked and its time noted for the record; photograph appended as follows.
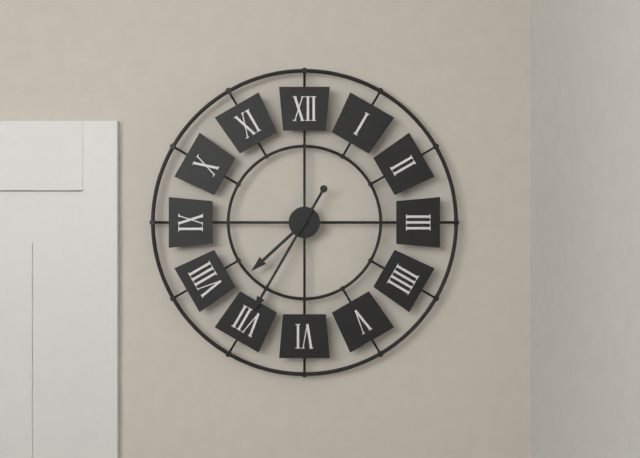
7:35
